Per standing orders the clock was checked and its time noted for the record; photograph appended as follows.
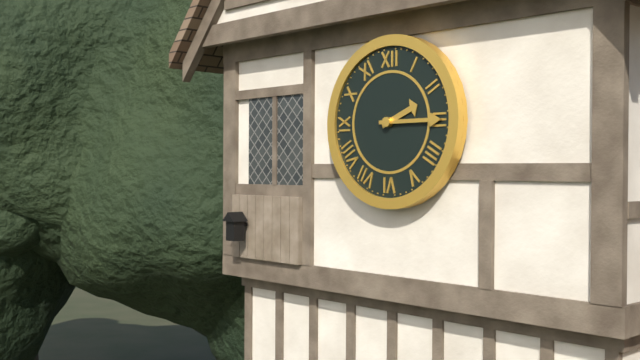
2:15
